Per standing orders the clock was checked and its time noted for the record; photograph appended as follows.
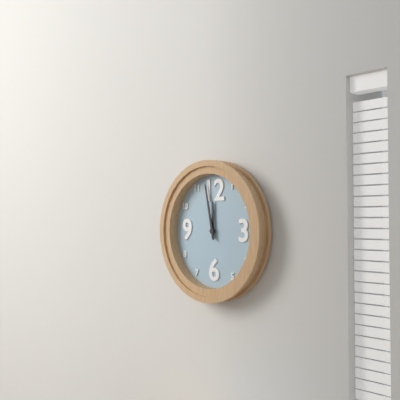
11:58
